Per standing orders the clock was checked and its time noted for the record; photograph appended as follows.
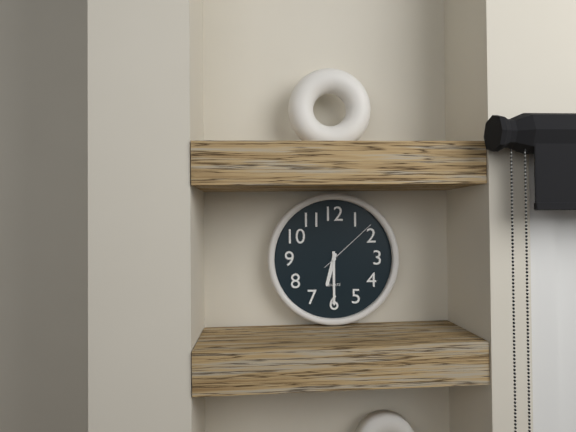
6:30:08
